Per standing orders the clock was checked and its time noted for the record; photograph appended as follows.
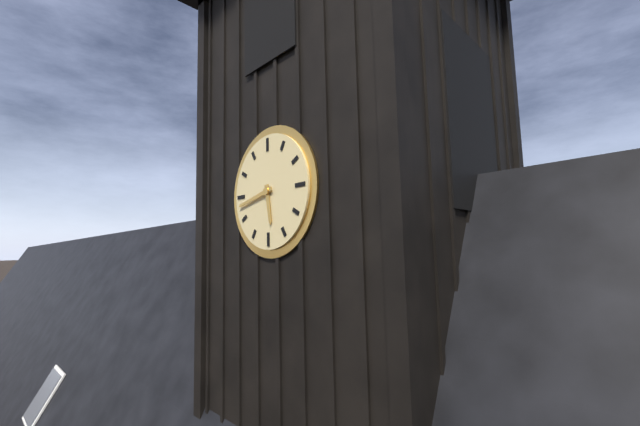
5:43
